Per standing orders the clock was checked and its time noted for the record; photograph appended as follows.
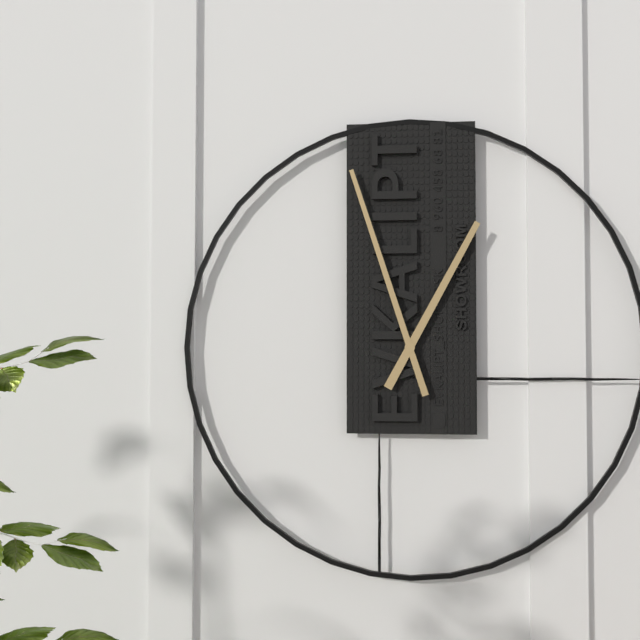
12:57
